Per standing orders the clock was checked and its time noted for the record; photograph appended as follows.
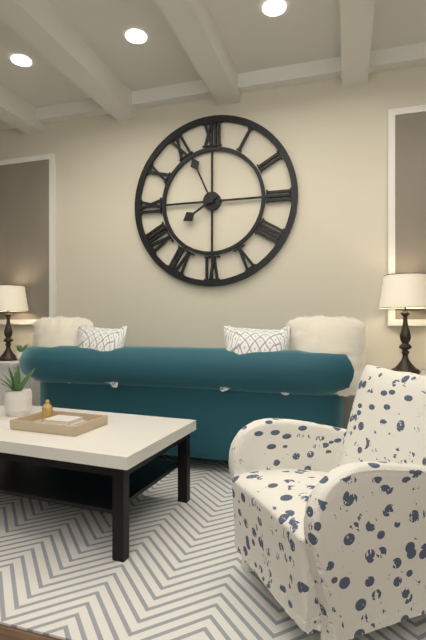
7:56
